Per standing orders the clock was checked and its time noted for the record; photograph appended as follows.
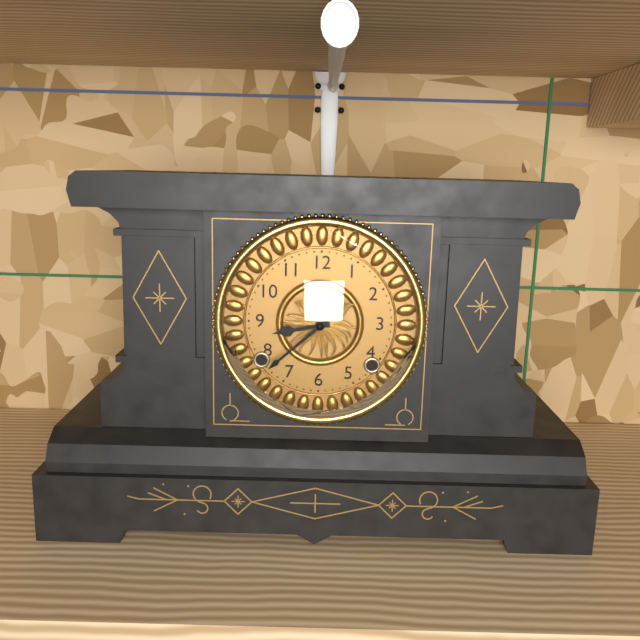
8:38
